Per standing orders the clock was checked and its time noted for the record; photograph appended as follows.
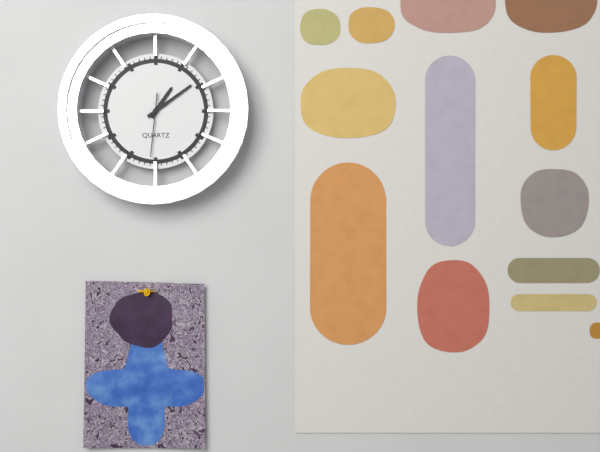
1:09:31
